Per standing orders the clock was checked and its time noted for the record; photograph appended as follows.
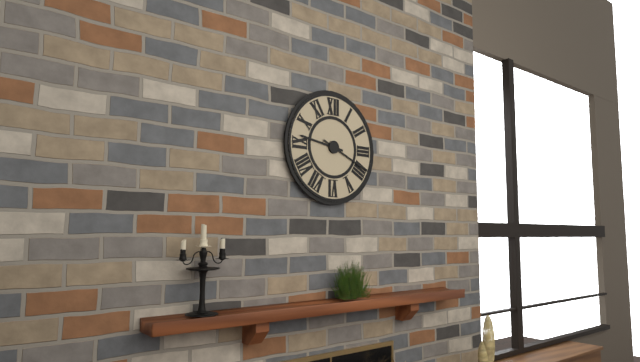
9:19
